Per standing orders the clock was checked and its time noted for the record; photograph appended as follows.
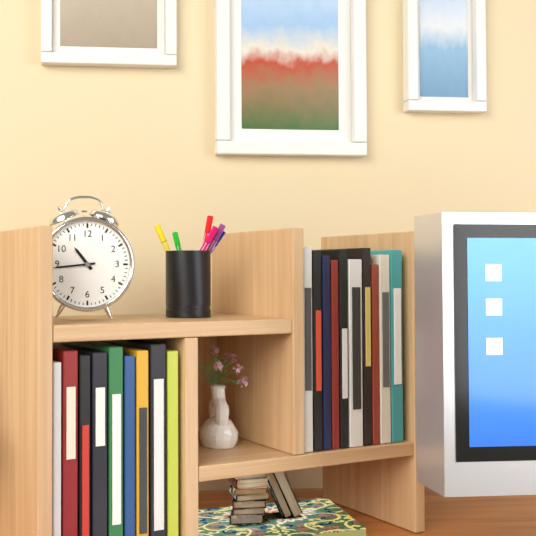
10:44
